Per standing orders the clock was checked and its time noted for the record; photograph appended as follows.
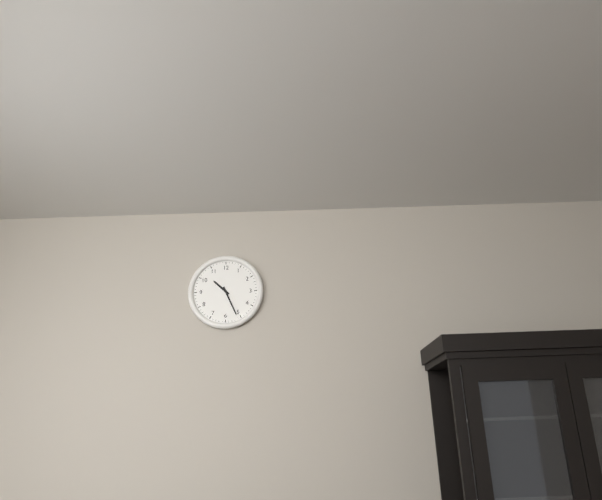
10:26
